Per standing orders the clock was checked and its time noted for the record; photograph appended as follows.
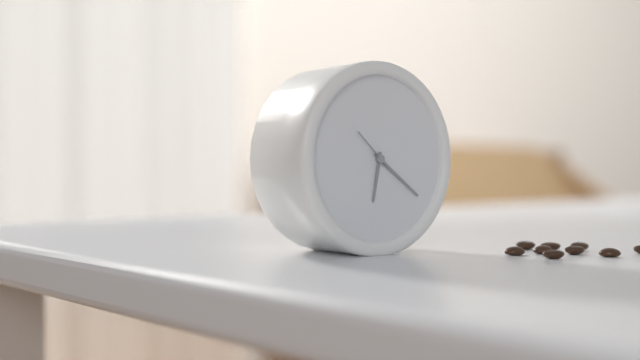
6:21
